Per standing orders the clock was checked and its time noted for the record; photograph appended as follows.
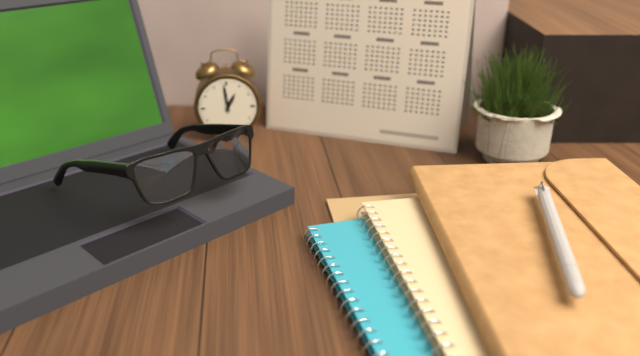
12:59
